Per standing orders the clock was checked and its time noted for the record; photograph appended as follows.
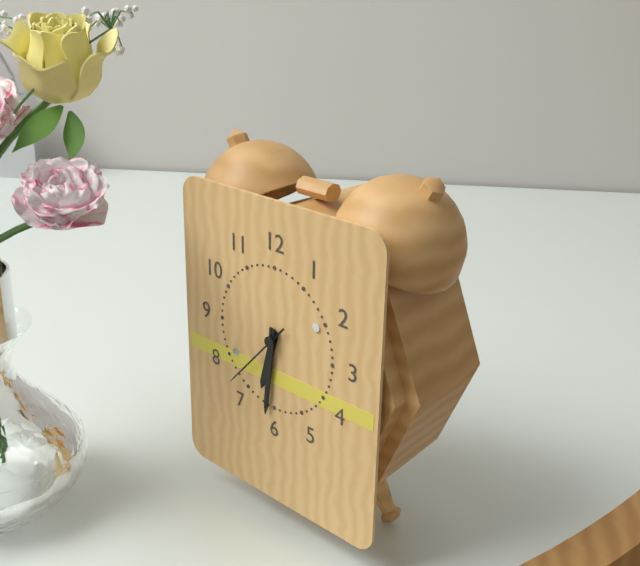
6:31:37
